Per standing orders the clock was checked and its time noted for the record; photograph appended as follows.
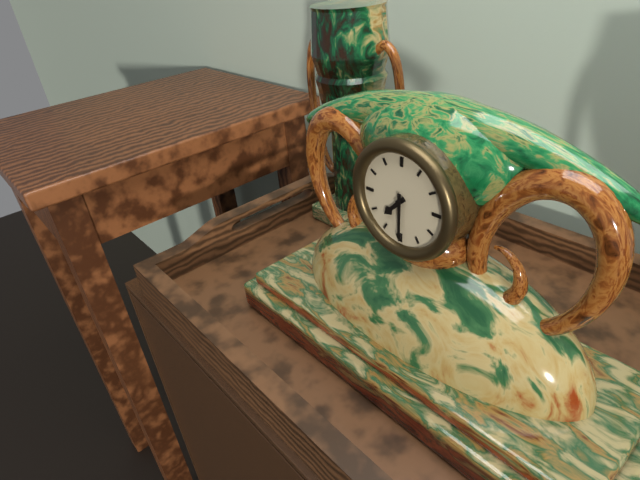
7:30
